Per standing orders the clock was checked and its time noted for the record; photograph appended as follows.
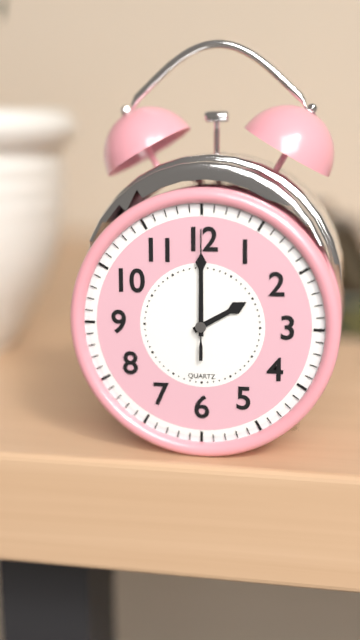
2:00:00
